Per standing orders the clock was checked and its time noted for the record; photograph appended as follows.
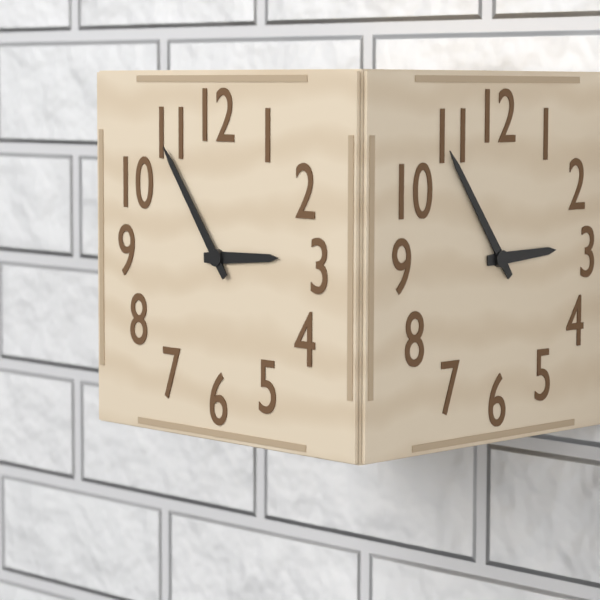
2:54
